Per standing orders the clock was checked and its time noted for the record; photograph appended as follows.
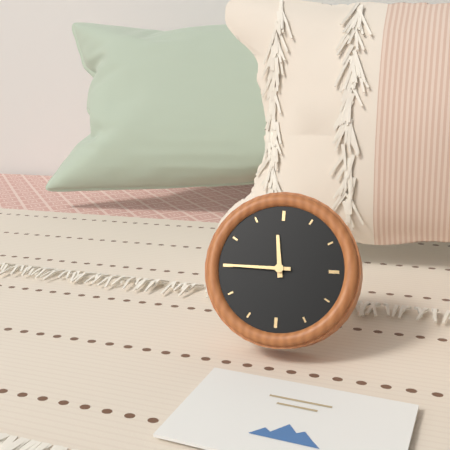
11:45
